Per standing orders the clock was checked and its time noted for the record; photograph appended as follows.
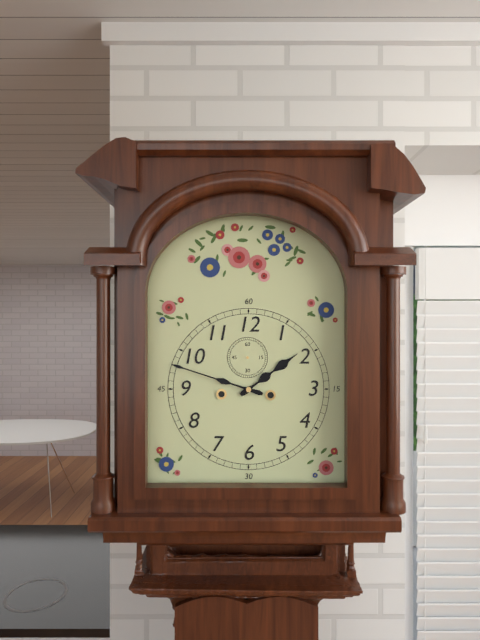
1:48
